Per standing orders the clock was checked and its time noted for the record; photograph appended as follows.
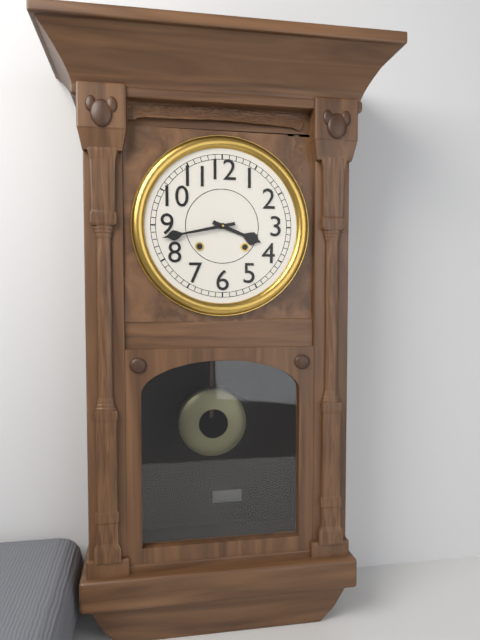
3:43
